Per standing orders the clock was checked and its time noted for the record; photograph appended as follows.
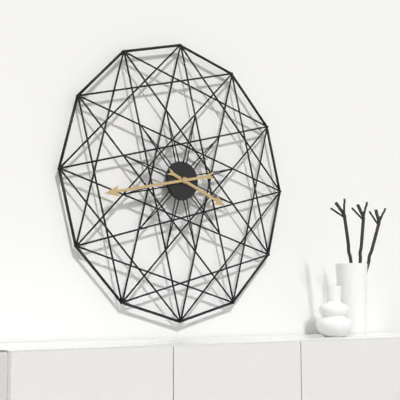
3:43
